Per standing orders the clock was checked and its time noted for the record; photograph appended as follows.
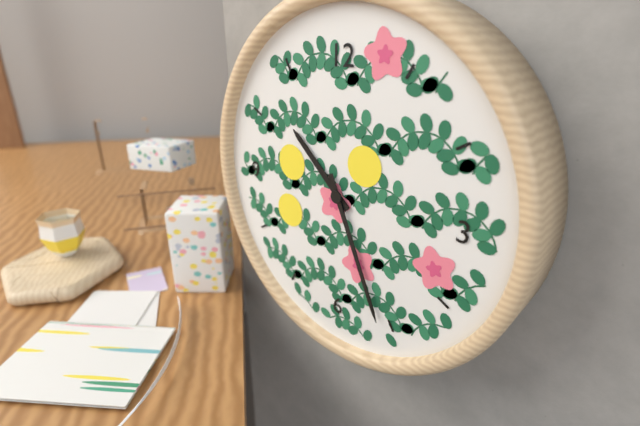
10:26
